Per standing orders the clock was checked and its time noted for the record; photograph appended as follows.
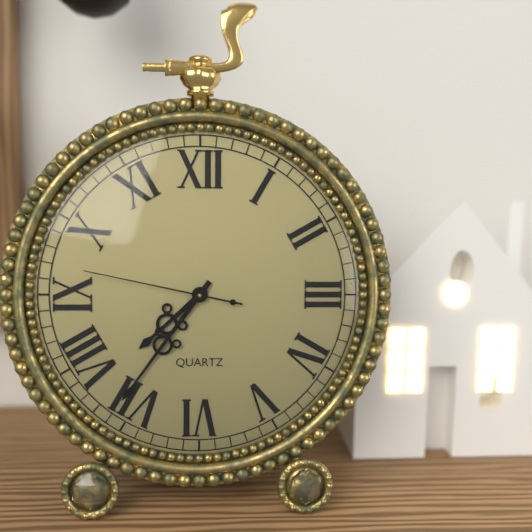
7:36:47
